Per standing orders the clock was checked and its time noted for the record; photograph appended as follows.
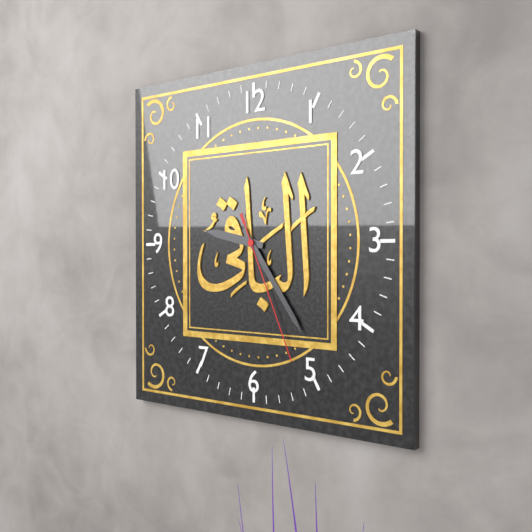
9:24:26
